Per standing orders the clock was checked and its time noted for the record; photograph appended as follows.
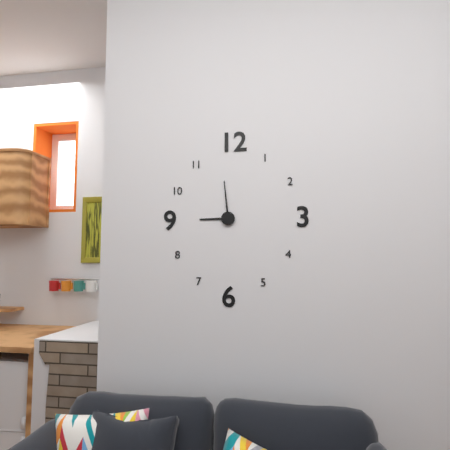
8:59
